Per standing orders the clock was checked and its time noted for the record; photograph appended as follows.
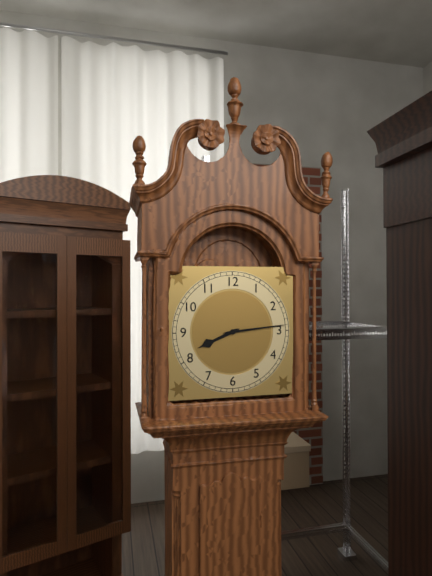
8:14
